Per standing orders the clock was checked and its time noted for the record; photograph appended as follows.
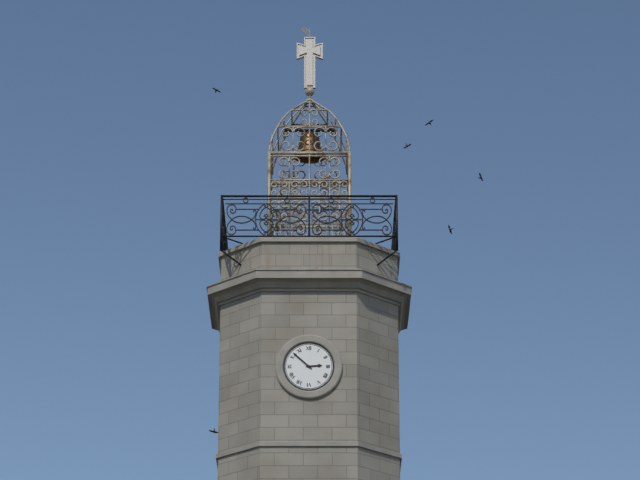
2:52
